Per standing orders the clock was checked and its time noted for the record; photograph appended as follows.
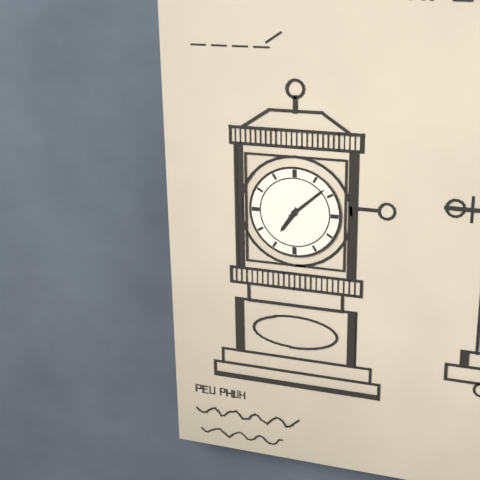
7:08
